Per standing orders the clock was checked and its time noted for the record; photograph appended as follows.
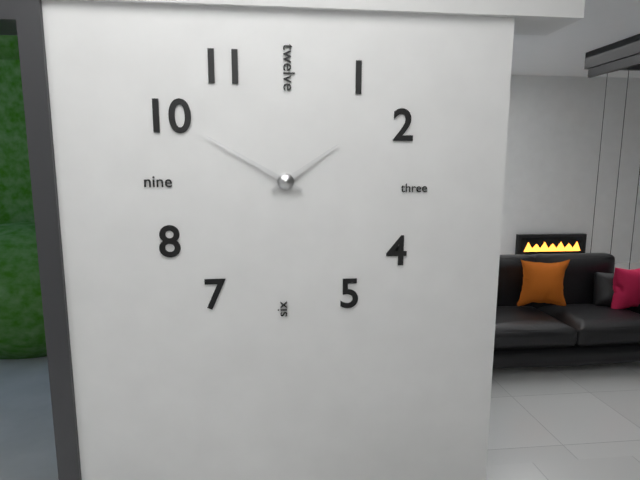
1:50
